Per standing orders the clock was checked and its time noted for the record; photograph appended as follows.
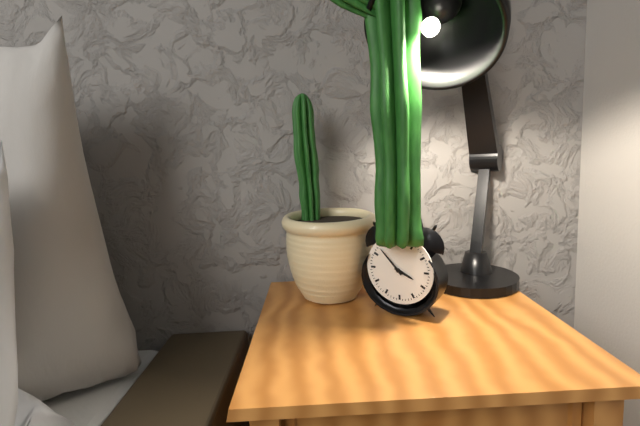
3:53
